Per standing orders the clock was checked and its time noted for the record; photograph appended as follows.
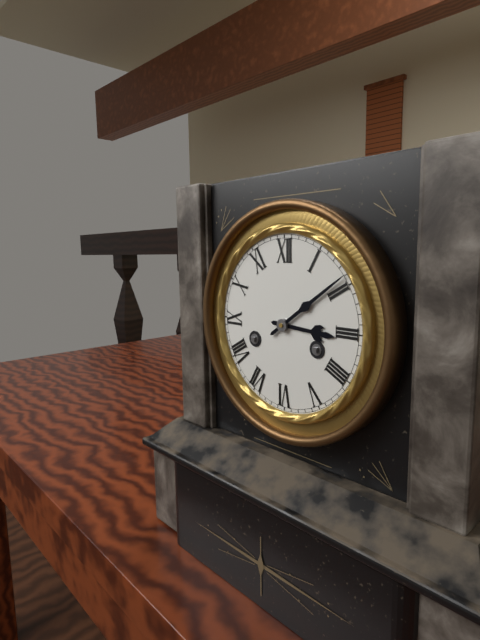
3:09
